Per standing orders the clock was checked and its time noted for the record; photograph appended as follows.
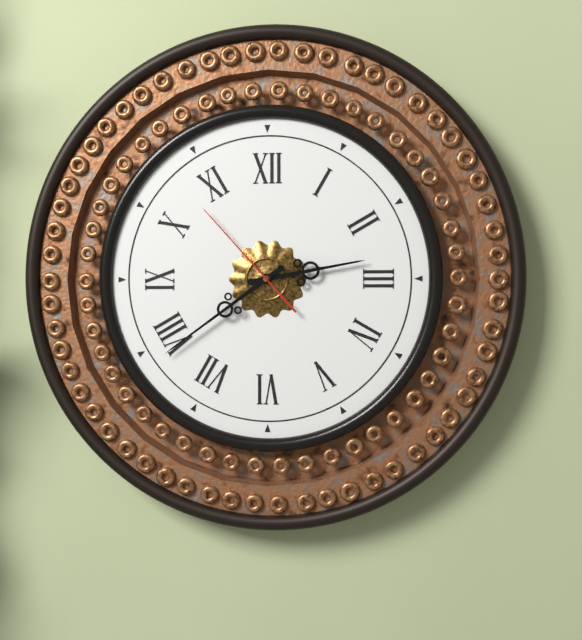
2:39:53
